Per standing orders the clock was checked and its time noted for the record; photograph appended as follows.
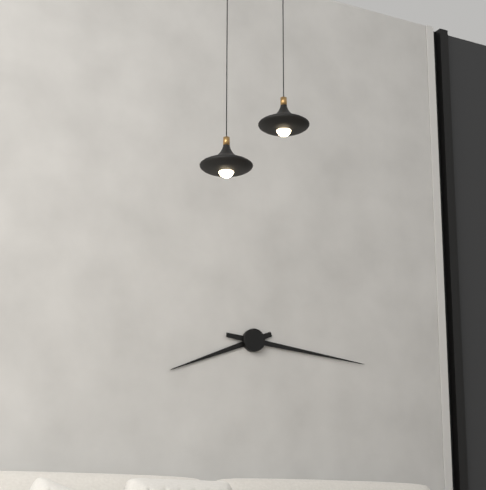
8:16
